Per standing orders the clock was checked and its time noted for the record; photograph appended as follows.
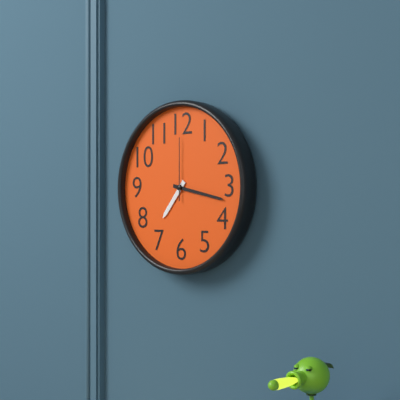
7:17:00
